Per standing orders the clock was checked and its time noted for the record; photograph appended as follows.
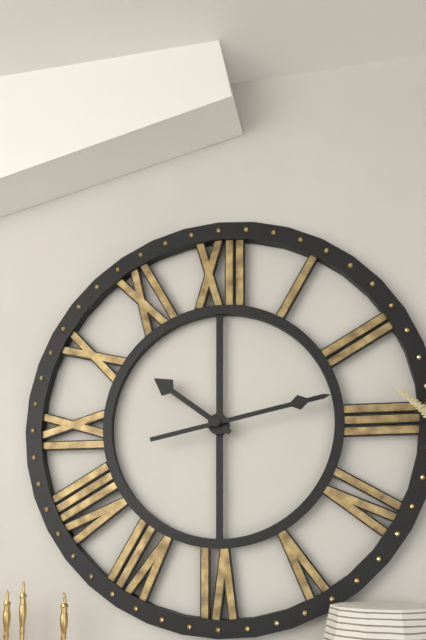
10:13
